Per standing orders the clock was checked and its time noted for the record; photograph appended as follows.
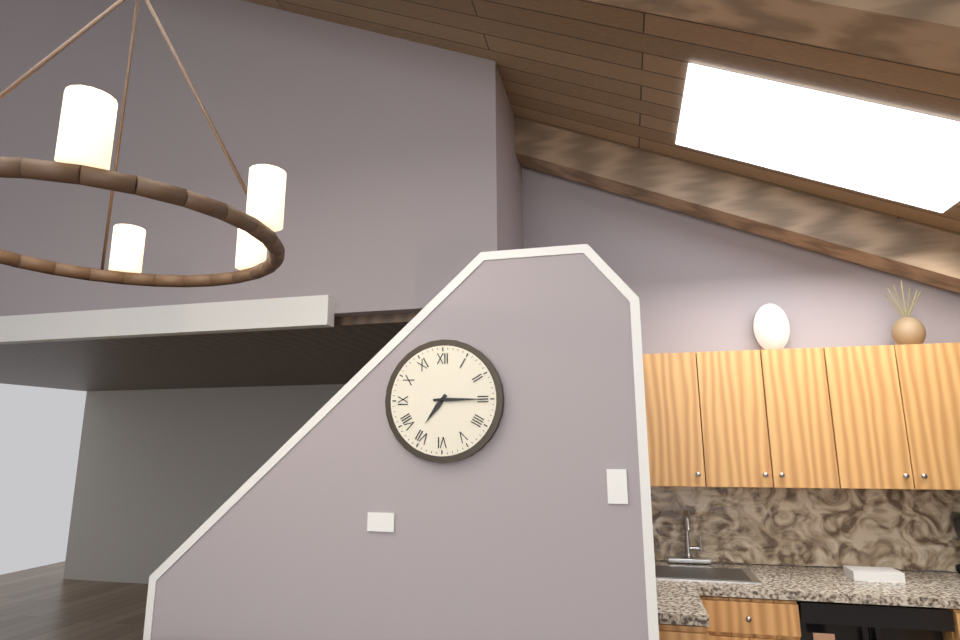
7:15
